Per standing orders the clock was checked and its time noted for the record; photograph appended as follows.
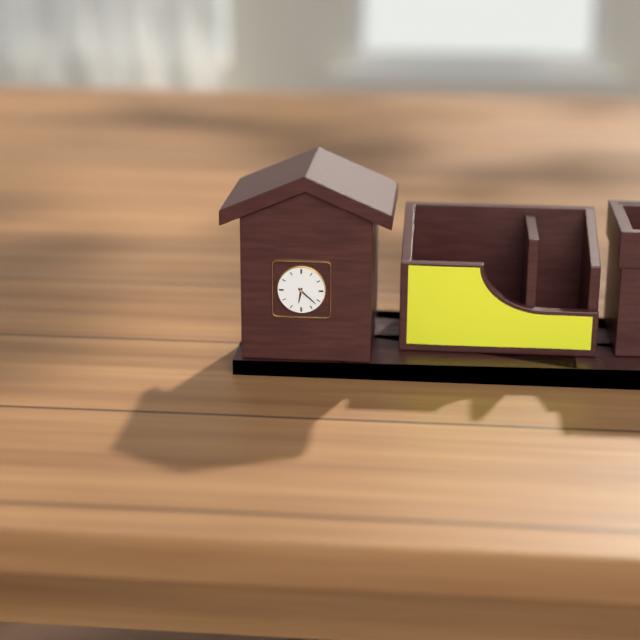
6:22
